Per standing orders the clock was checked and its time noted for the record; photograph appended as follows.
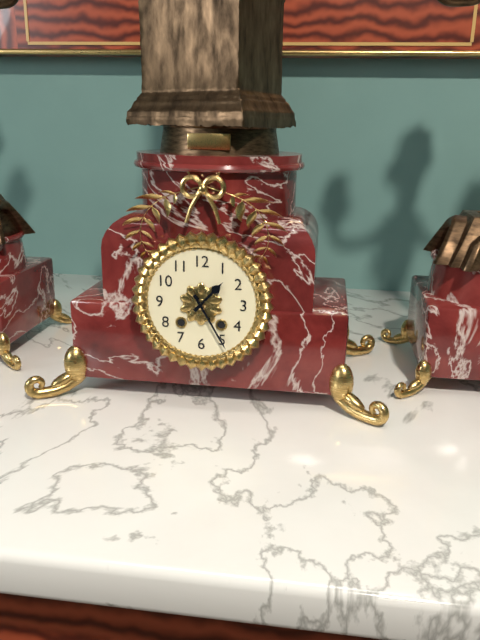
1:25
